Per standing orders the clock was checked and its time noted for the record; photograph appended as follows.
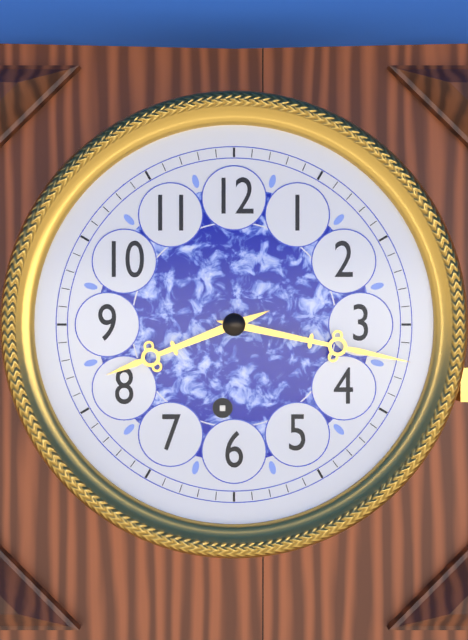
8:17
